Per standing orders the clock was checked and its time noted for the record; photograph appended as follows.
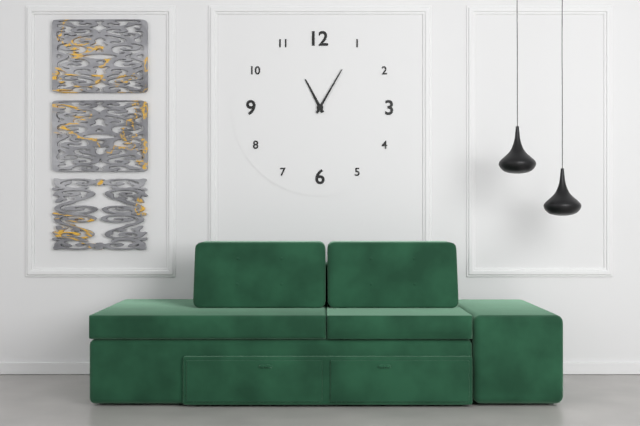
11:05
